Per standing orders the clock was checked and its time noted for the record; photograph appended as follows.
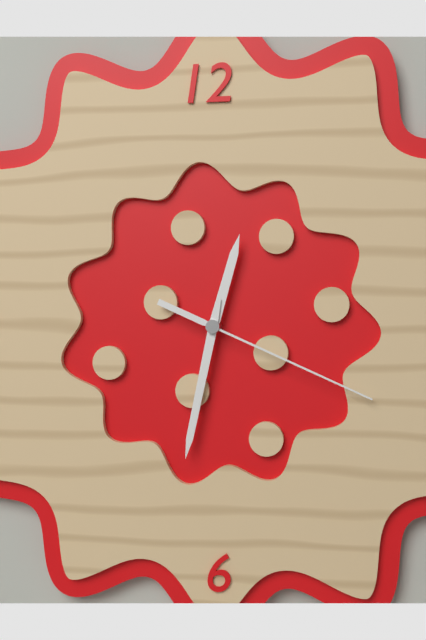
12:32:19
